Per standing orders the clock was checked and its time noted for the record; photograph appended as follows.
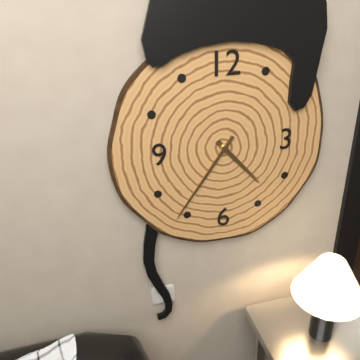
4:36
